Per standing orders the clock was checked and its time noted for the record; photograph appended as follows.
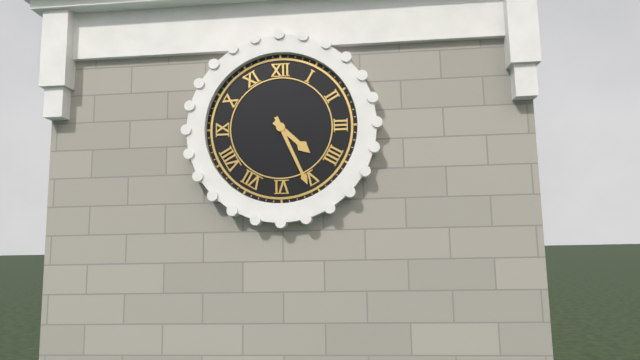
4:26
